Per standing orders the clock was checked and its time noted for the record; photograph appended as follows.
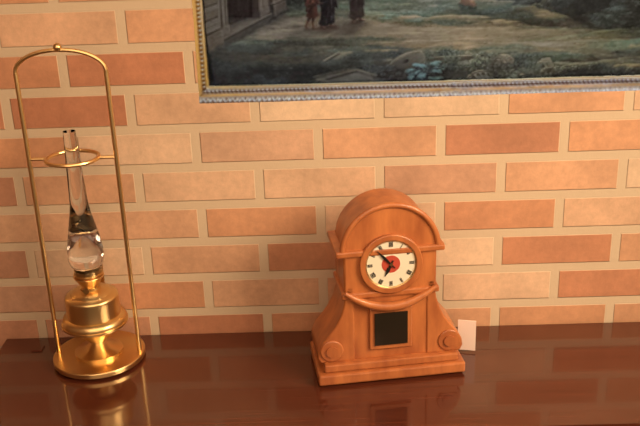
6:53
